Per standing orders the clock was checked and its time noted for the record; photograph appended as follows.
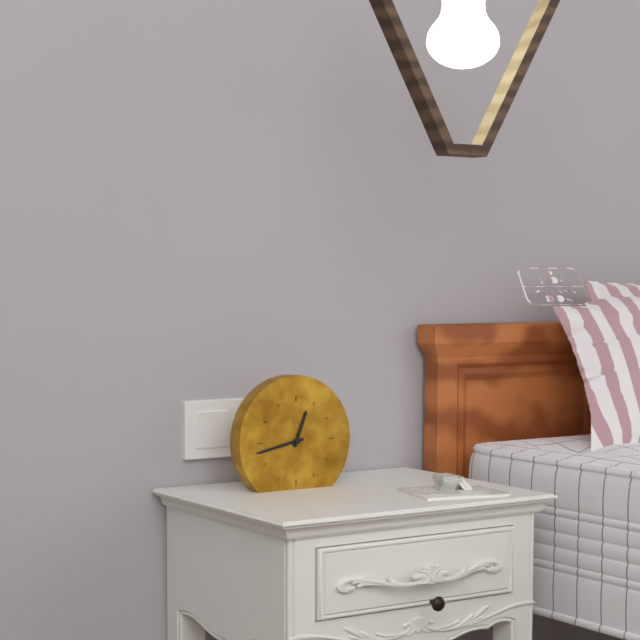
12:43
